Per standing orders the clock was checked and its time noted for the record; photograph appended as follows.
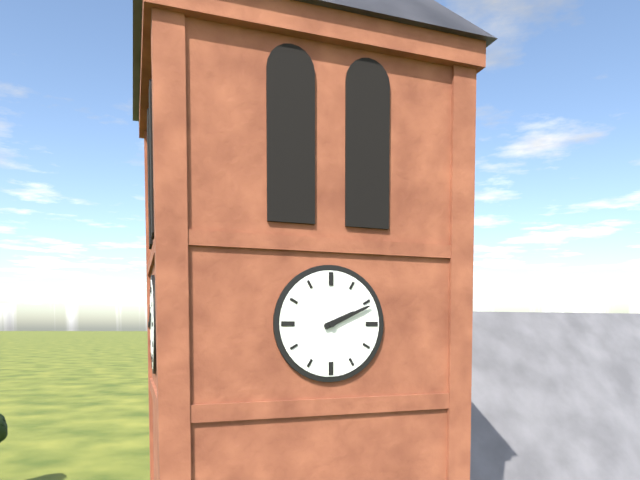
2:11
